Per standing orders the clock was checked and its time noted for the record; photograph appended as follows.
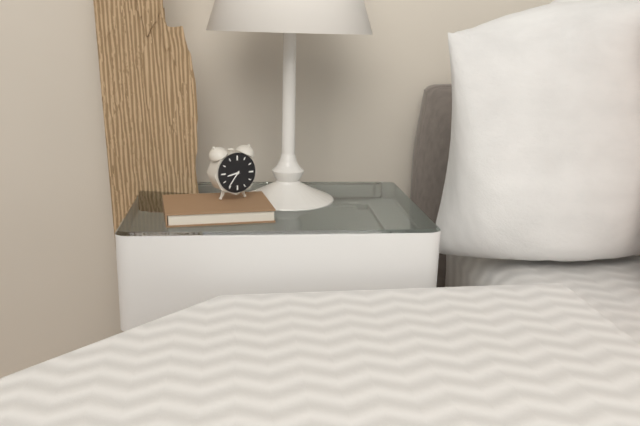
8:36
